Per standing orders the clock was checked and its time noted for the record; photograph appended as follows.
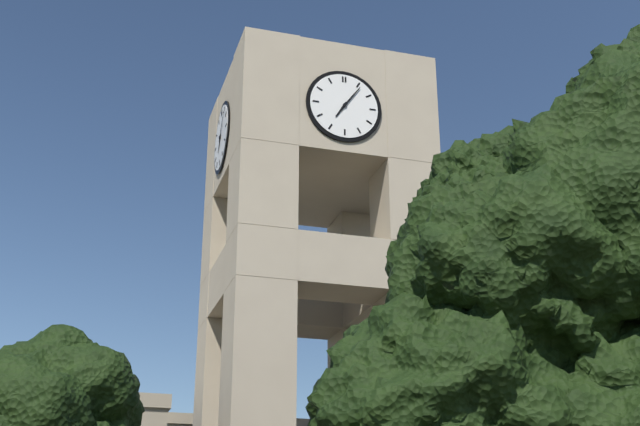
7:06
